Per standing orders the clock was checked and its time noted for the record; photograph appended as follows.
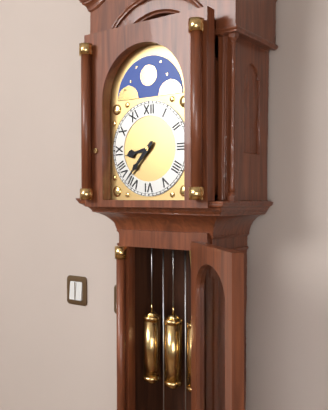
8:37
